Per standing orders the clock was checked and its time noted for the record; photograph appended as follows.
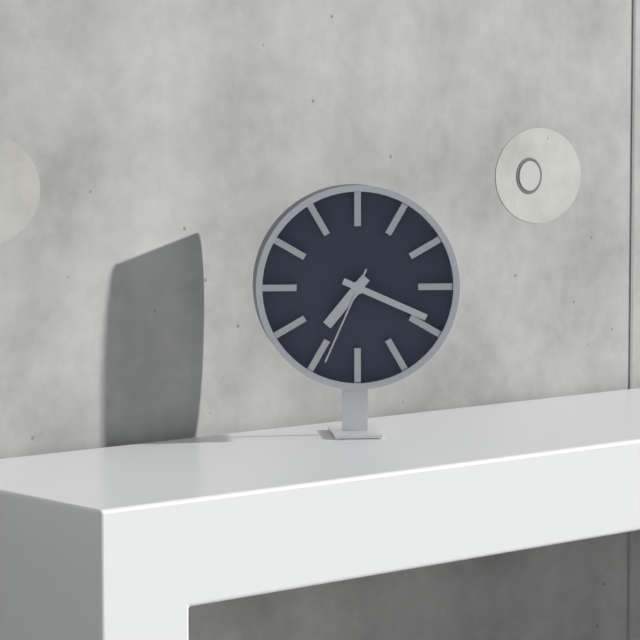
7:19:34
